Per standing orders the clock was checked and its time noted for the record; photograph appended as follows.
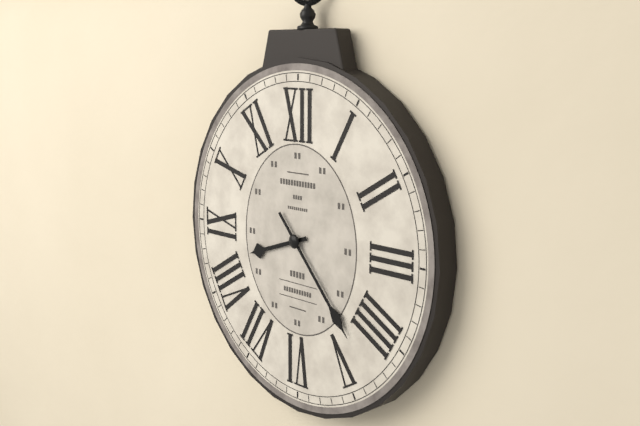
8:23
